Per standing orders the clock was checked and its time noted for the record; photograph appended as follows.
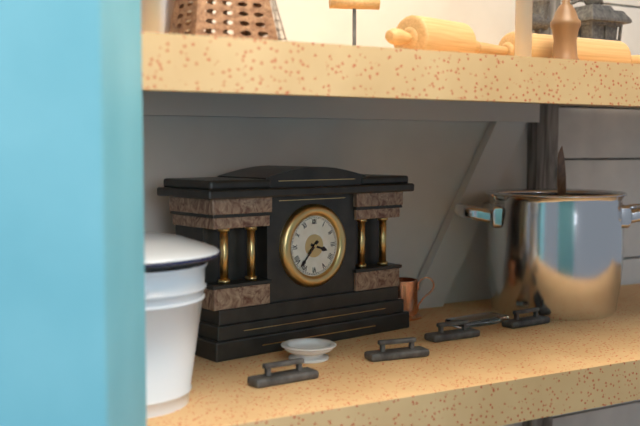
3:37
